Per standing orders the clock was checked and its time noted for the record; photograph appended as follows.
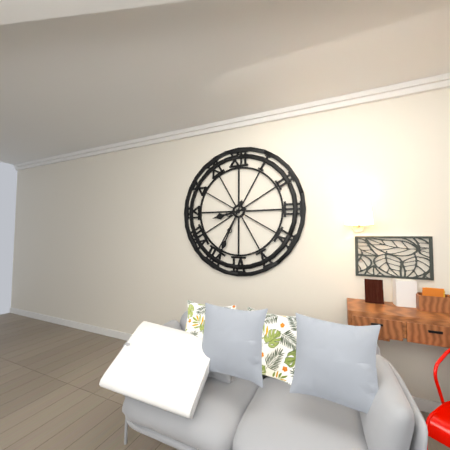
8:34
